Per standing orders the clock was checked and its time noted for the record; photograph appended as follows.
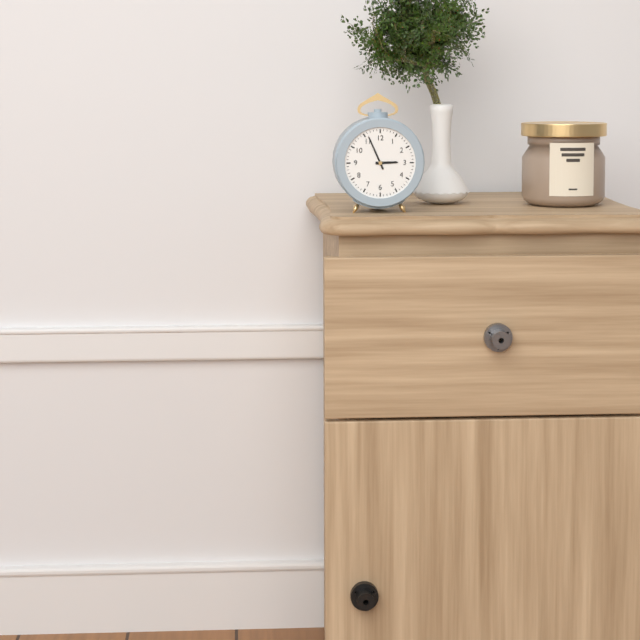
2:56
